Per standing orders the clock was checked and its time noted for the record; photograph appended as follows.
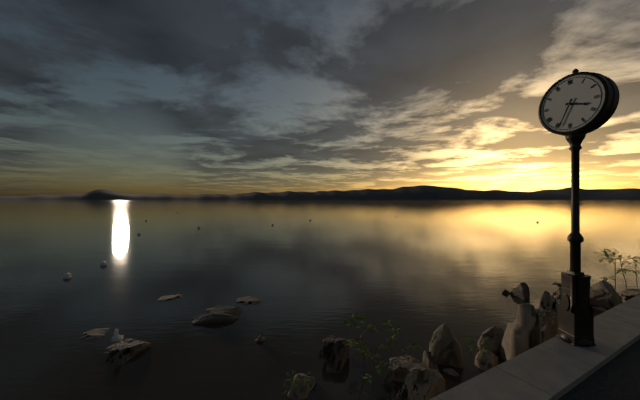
3:34
